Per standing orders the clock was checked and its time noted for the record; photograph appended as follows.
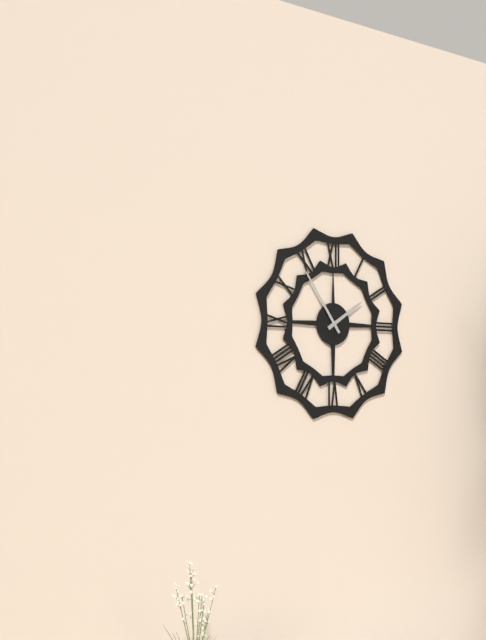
1:54
